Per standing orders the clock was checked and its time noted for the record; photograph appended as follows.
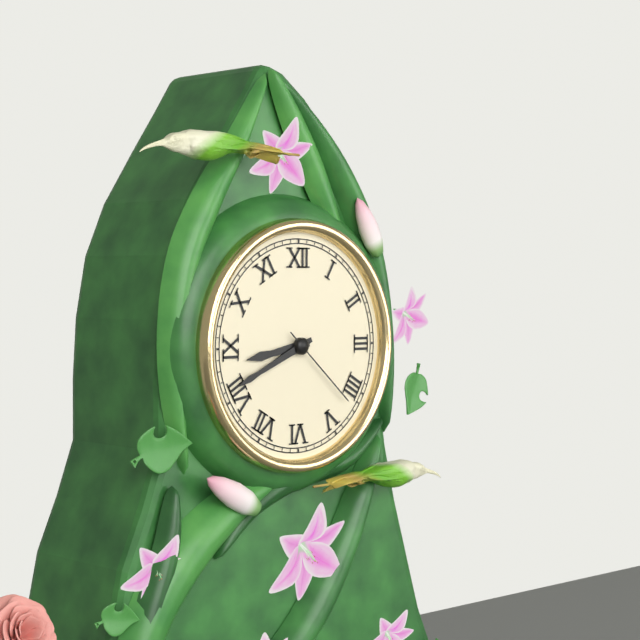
8:41:22
